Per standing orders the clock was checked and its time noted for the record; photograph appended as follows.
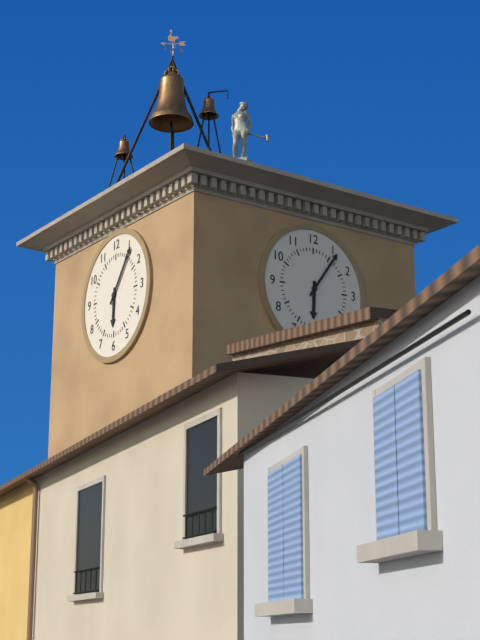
6:06
